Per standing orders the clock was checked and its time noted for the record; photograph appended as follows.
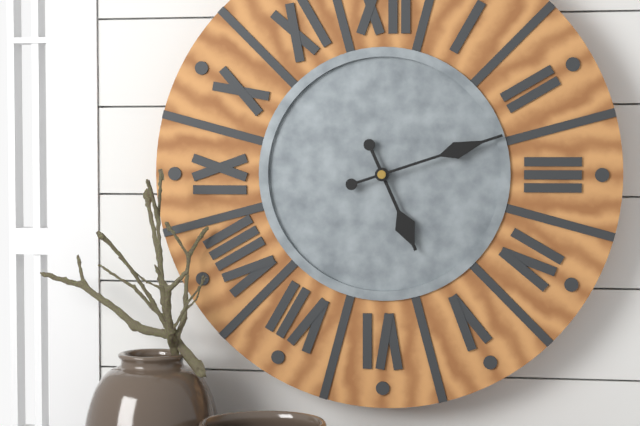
5:12
